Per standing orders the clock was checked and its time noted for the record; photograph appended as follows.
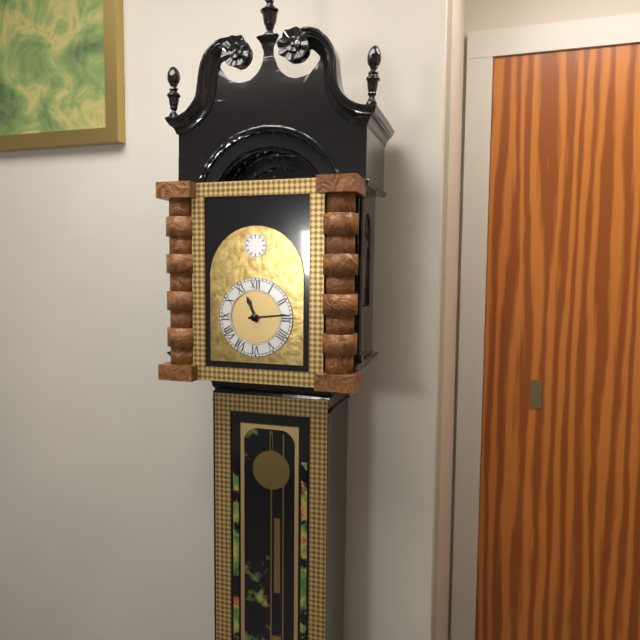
11:14
